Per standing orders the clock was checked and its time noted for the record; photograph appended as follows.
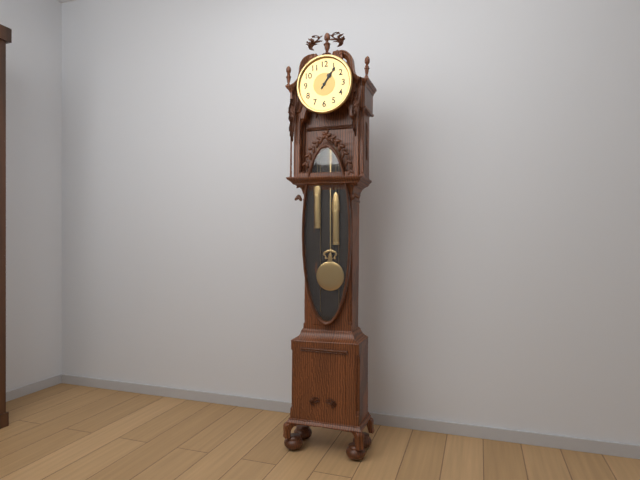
1:06
